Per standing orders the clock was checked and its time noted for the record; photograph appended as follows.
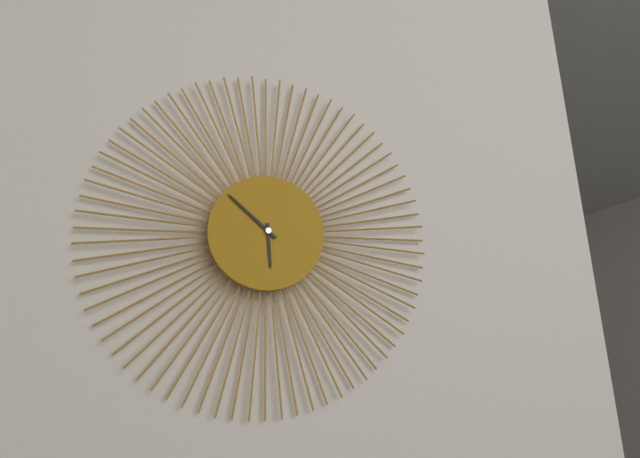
5:52
